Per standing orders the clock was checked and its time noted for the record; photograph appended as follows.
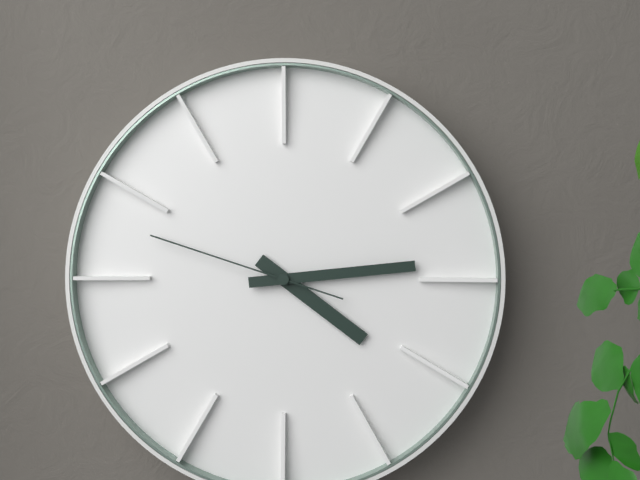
4:14:48
